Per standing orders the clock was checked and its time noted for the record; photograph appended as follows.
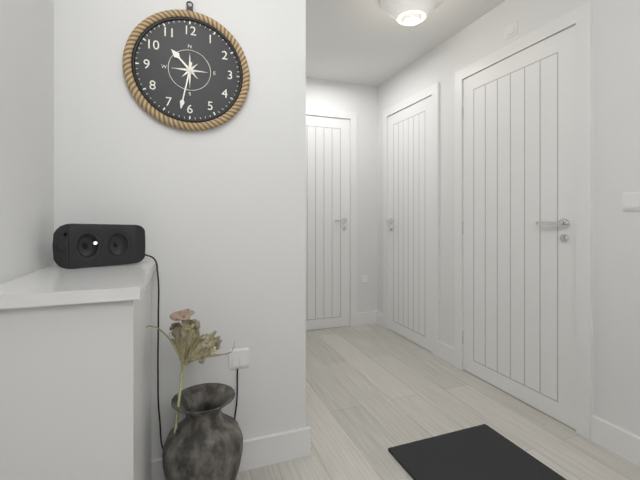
10:32
